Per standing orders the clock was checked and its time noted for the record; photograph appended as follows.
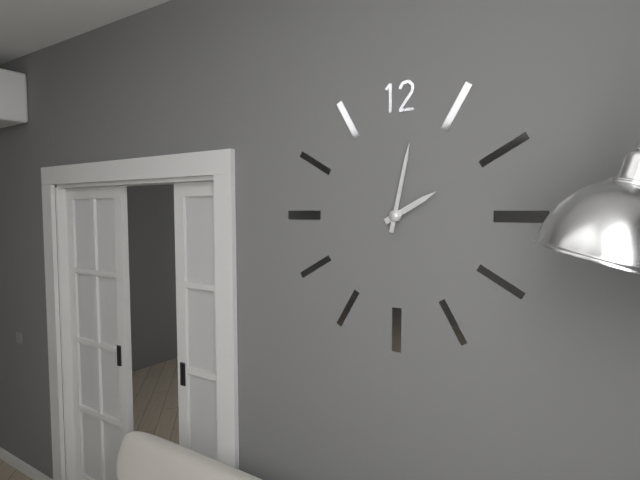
2:02
